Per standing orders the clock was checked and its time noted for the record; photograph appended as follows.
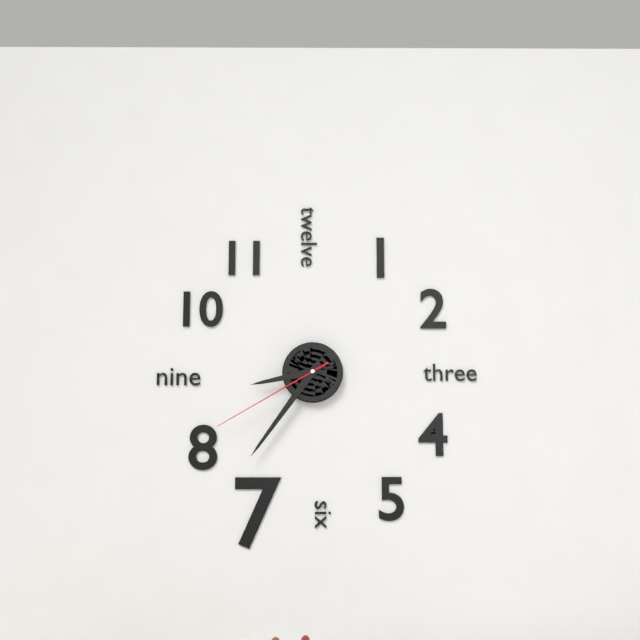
8:36:40
